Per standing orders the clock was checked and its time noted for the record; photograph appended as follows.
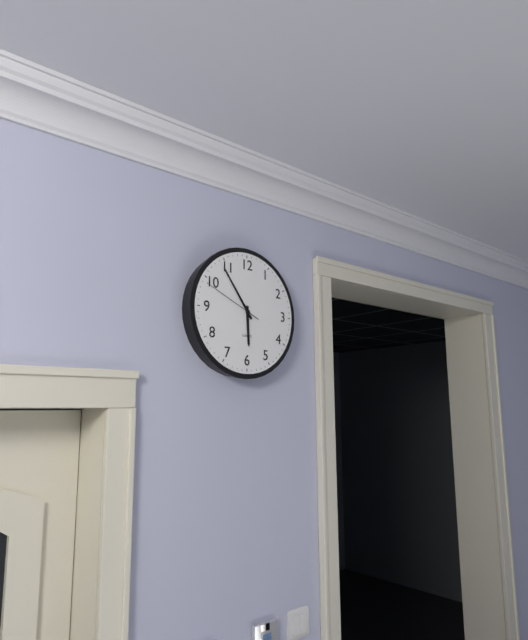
5:54:49
